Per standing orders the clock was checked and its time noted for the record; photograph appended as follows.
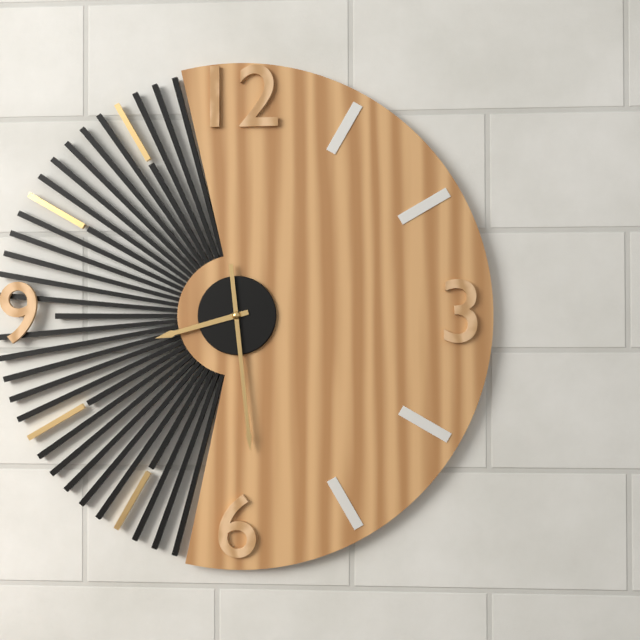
8:29
